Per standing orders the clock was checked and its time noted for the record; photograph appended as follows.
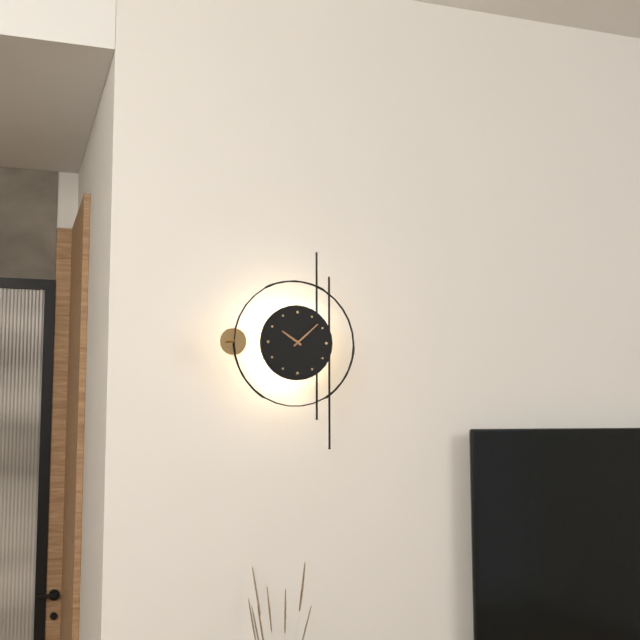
10:08
